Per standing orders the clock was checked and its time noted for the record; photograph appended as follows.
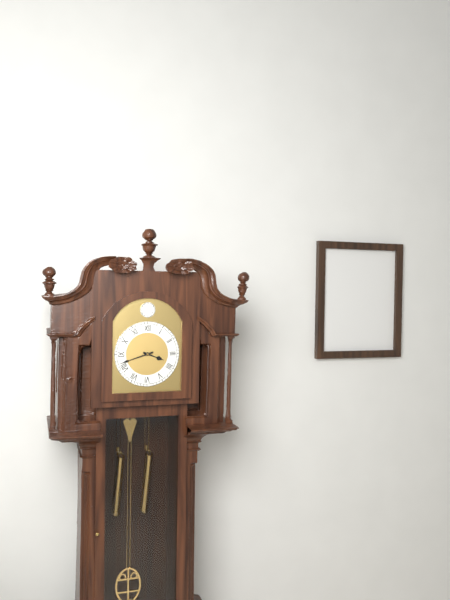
3:42
